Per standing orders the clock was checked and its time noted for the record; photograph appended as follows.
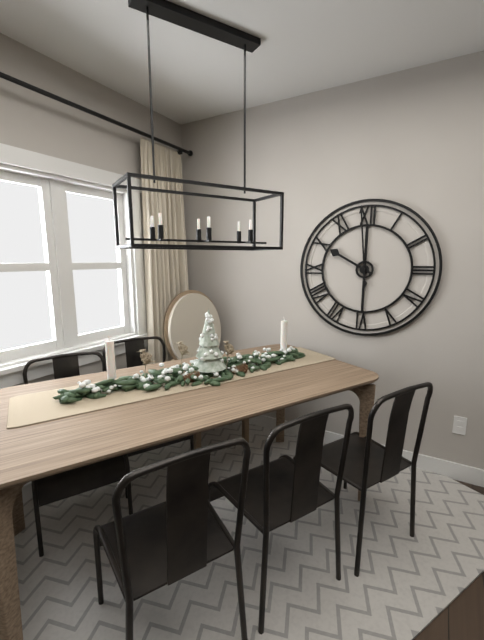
9:59
